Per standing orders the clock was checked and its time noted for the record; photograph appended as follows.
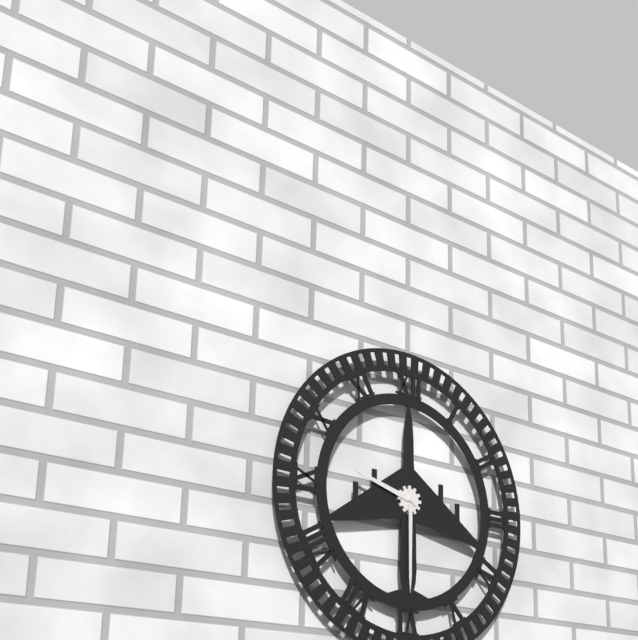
9:30
